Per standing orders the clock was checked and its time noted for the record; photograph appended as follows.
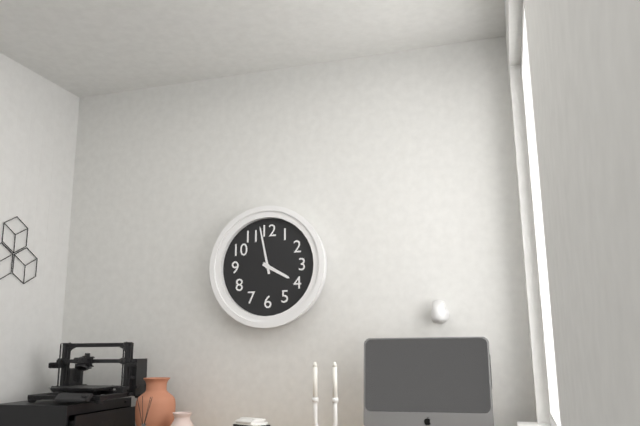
3:58
